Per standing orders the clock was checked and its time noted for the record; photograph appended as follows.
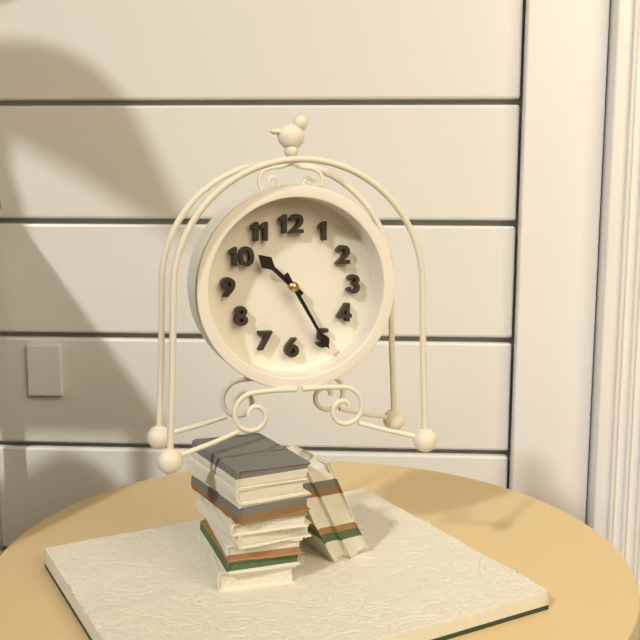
10:25
